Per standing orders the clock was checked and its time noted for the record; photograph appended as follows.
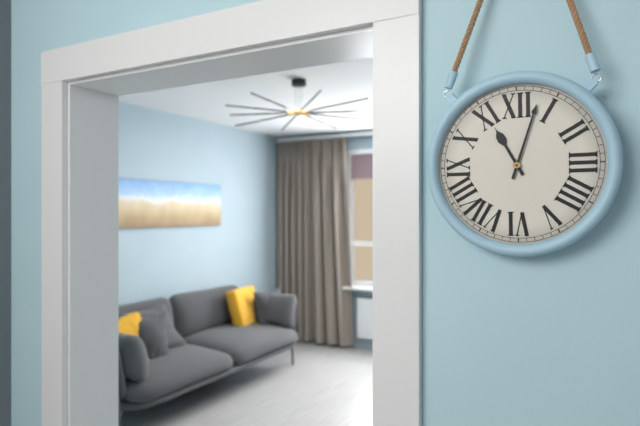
11:03
